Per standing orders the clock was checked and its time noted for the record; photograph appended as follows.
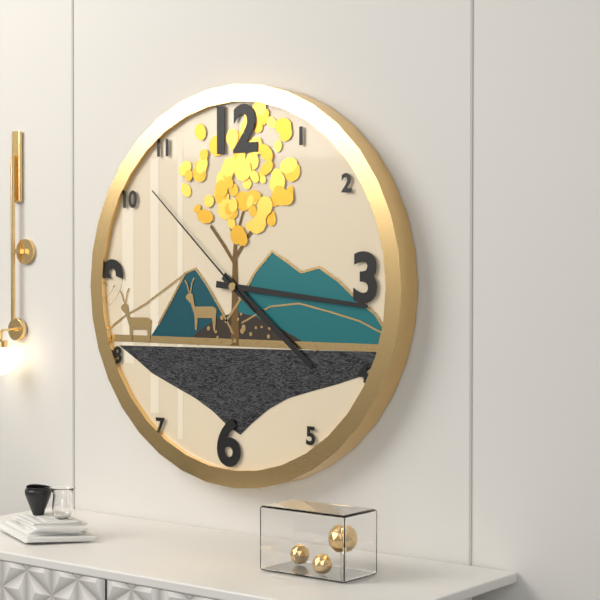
4:16:52
